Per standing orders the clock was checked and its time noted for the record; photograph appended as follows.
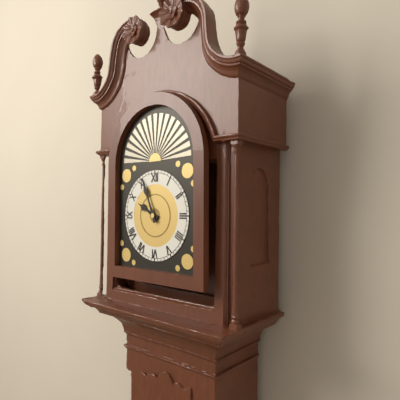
9:56
